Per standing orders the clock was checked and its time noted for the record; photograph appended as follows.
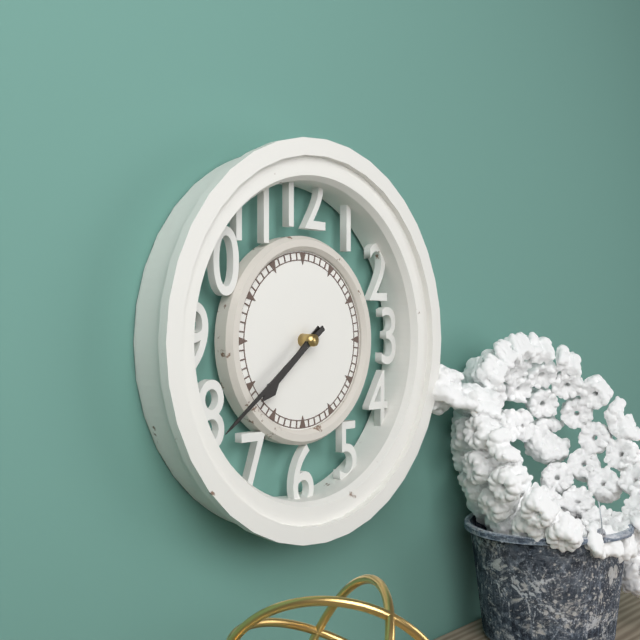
7:39
